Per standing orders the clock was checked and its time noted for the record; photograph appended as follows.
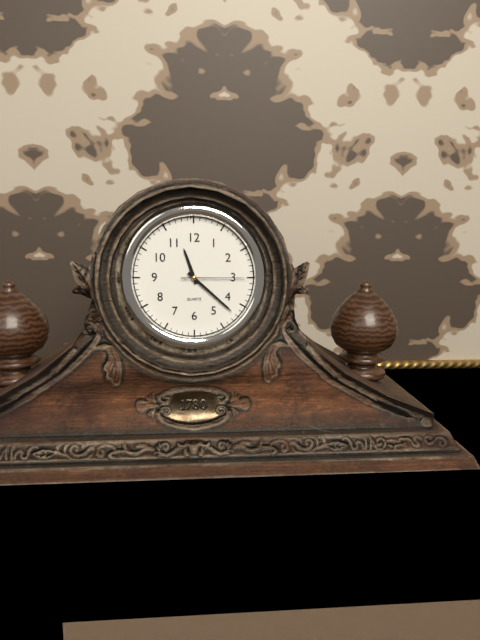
11:22:15
